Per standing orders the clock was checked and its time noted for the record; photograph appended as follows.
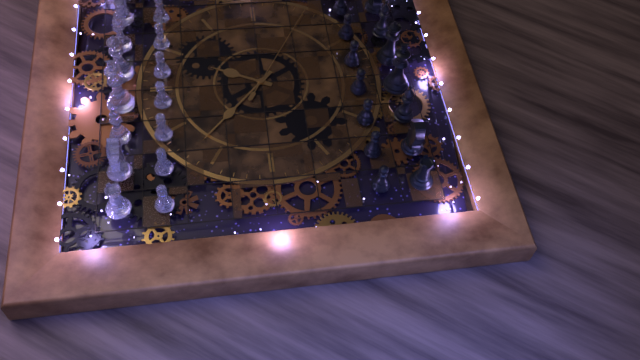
12:52:20
